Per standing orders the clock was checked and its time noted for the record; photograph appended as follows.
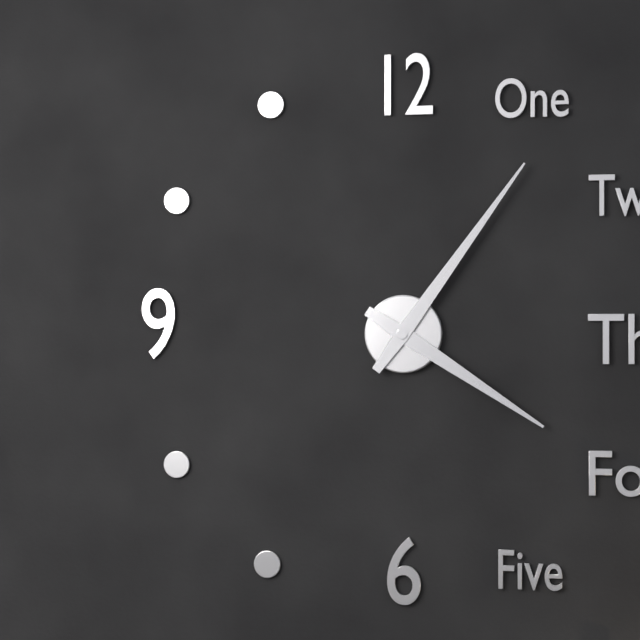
4:06
